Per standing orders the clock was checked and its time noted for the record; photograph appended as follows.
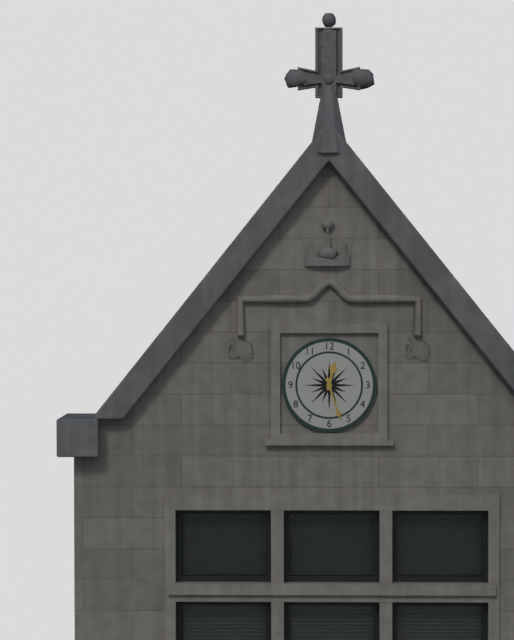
12:27
